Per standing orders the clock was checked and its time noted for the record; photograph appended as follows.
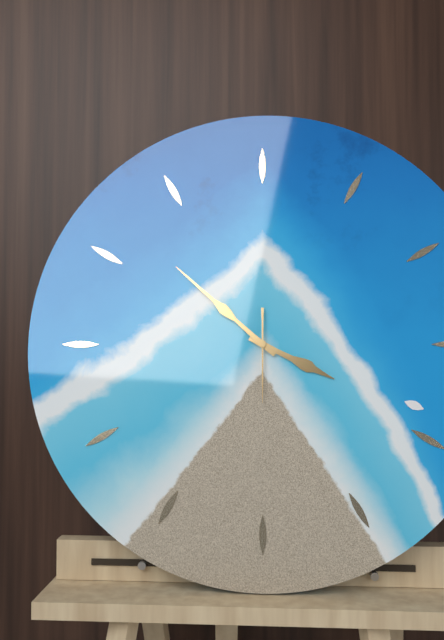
3:52:30
